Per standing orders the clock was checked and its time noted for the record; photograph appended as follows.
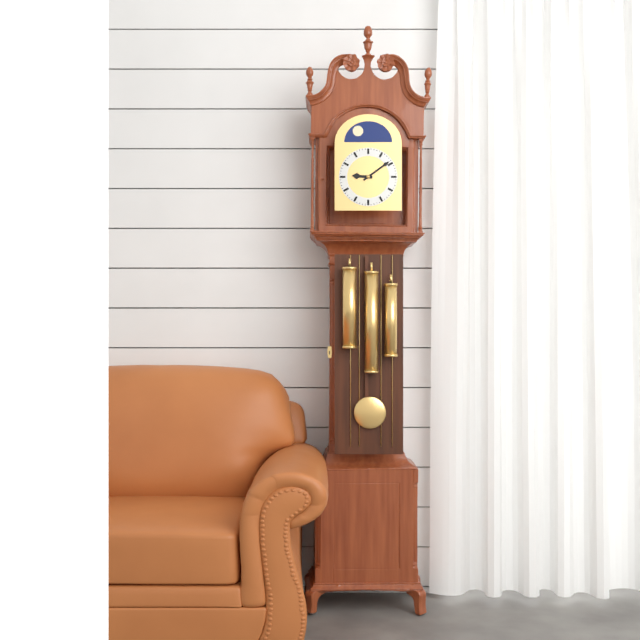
9:09
